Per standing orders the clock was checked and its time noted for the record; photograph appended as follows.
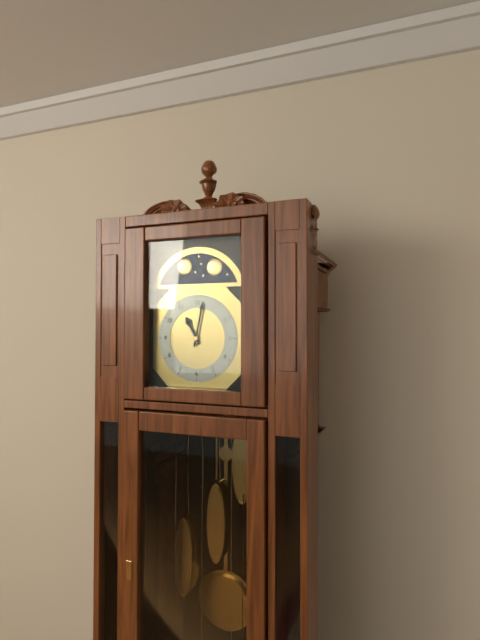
11:02
